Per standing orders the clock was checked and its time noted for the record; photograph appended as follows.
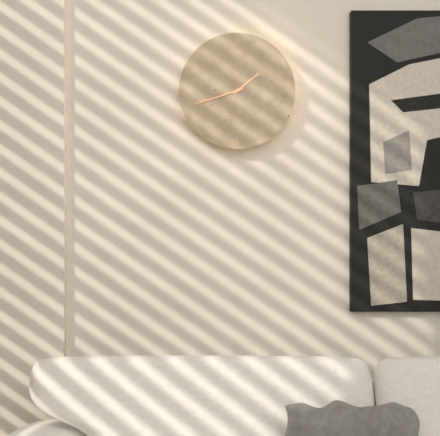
1:42:01
